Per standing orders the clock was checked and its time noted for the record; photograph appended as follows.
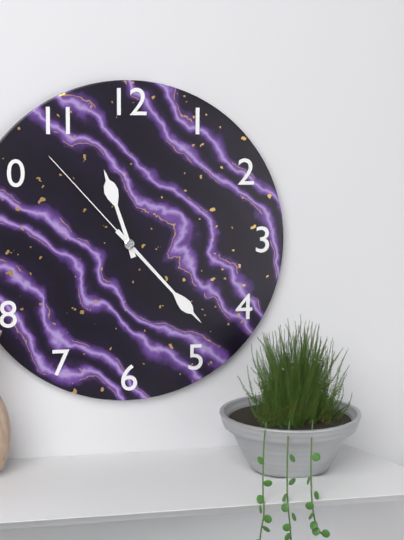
11:23:53
